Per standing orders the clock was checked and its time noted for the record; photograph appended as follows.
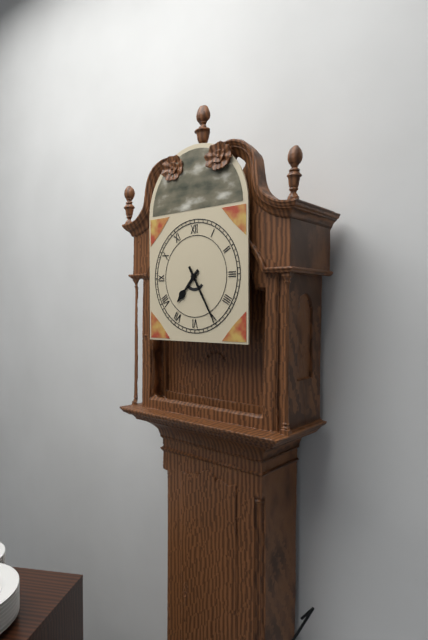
7:25
